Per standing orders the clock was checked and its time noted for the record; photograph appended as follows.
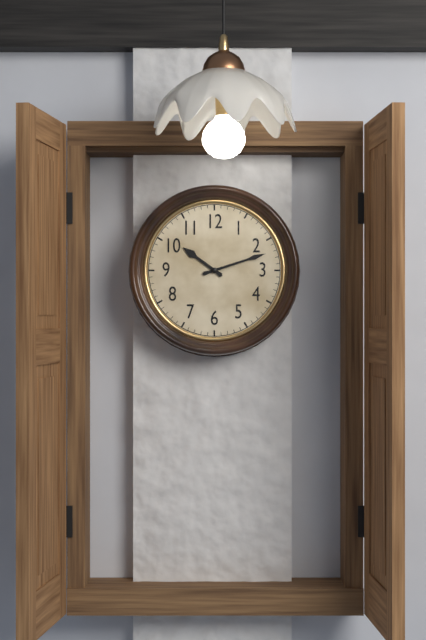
10:12
